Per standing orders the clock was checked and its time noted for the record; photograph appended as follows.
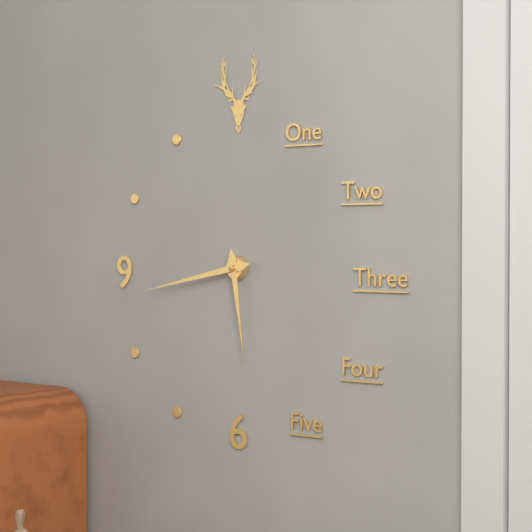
5:43
